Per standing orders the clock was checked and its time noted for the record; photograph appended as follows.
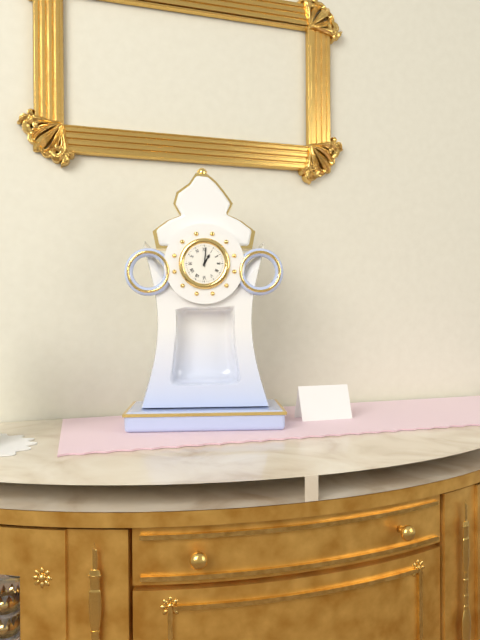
1:01
